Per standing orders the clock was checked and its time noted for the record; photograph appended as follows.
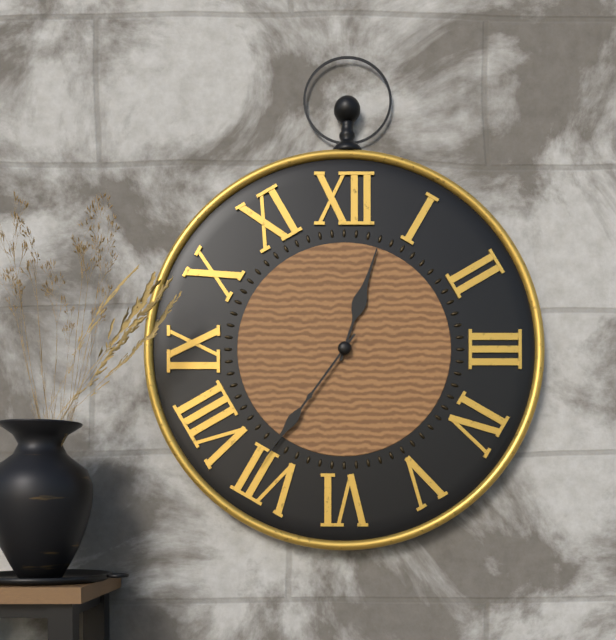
12:36
